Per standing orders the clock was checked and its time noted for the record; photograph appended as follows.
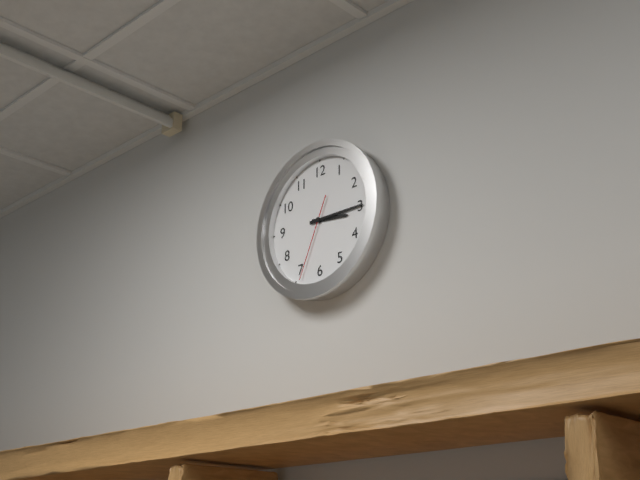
3:15:34
